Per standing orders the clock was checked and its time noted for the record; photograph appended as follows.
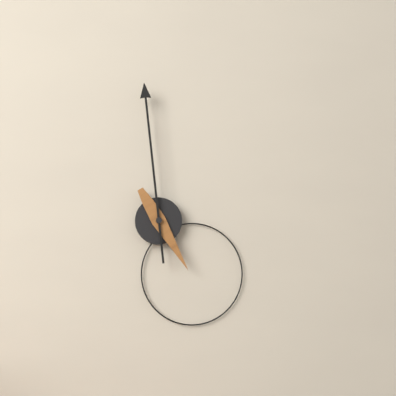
4:59
